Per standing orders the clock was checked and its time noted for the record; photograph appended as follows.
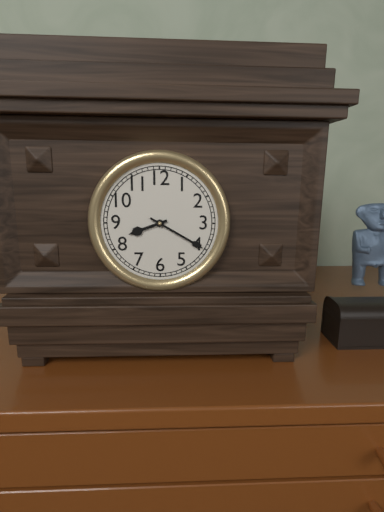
8:20
